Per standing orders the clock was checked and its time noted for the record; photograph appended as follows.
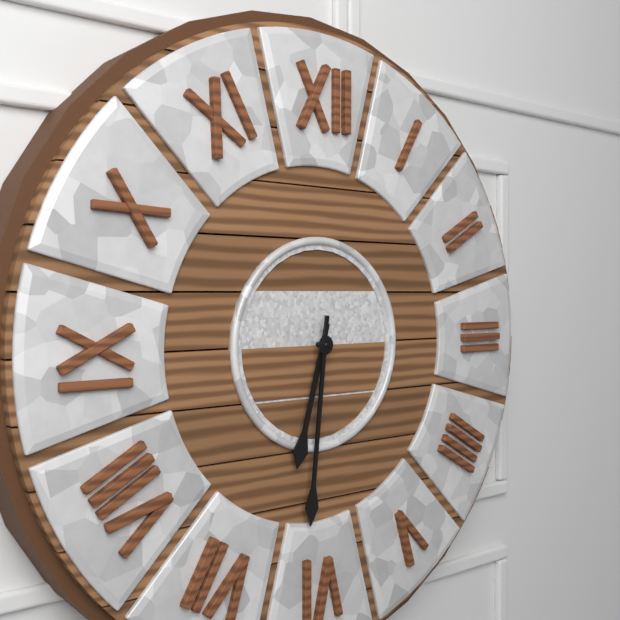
6:31
